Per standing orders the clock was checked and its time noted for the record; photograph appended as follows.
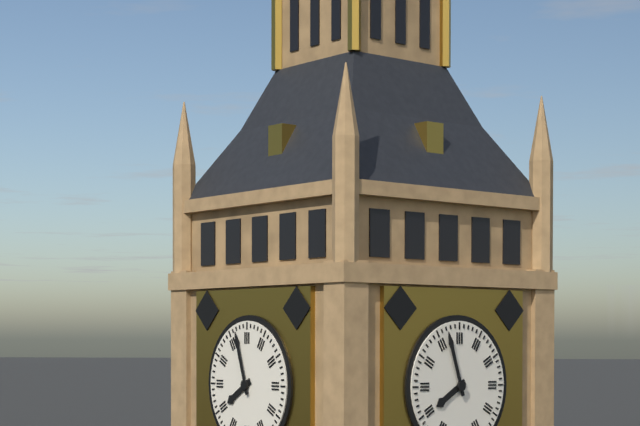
7:57
